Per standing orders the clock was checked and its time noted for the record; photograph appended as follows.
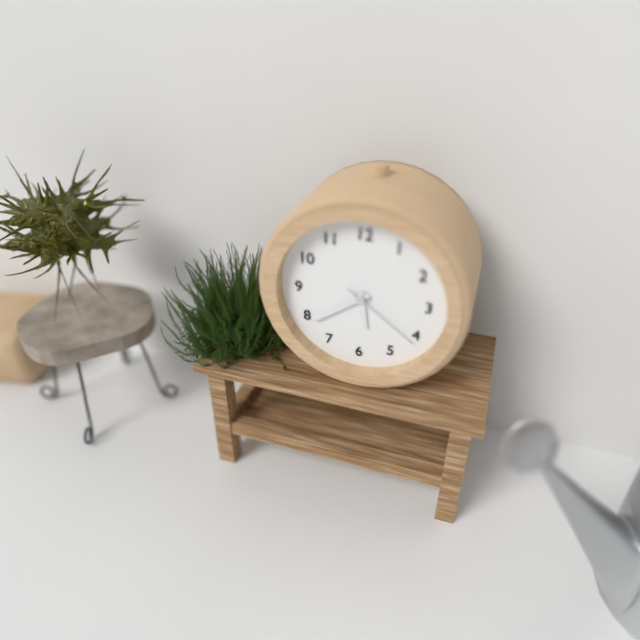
5:39:21
